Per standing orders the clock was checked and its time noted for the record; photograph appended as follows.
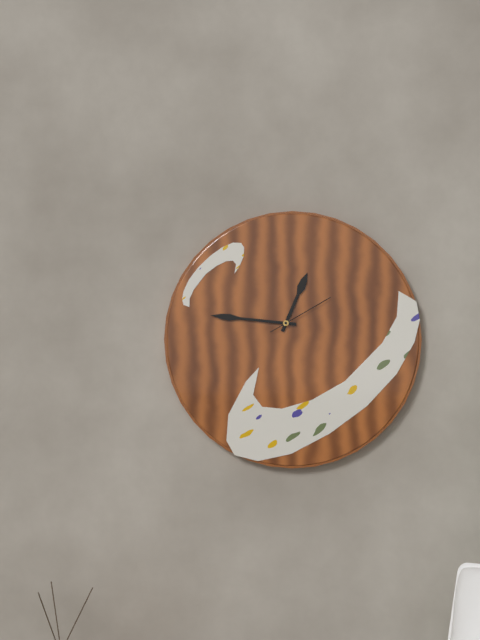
12:46:10
